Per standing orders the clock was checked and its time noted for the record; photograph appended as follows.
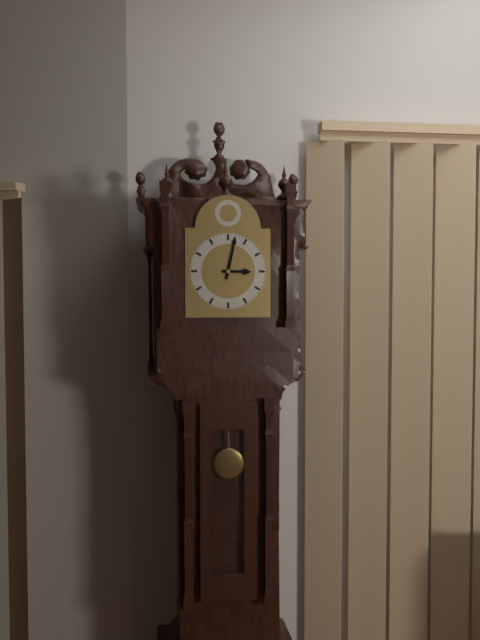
3:02
